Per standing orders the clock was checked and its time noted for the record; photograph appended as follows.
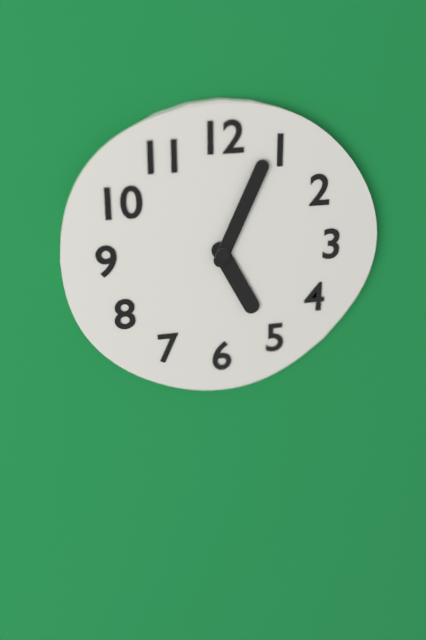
5:04
